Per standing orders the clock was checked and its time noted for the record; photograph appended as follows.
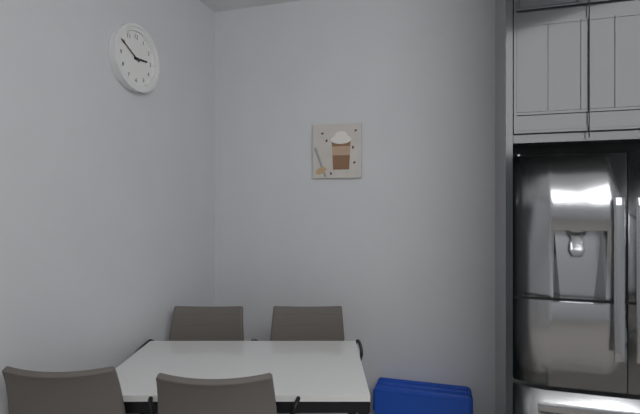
2:50
